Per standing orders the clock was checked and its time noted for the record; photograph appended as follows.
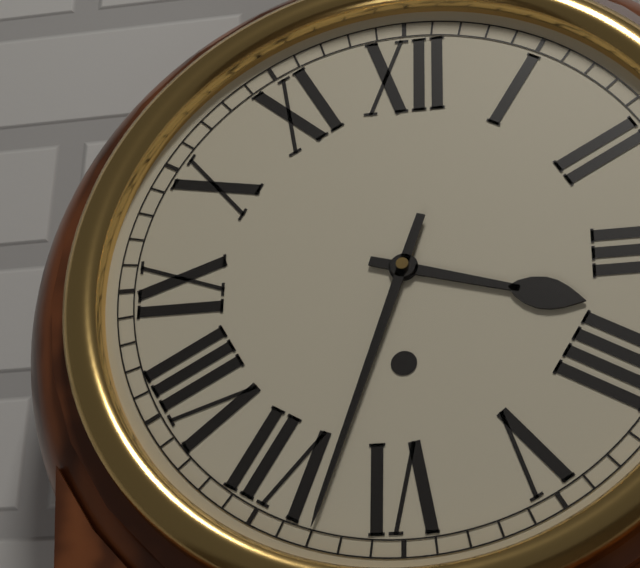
3:33
